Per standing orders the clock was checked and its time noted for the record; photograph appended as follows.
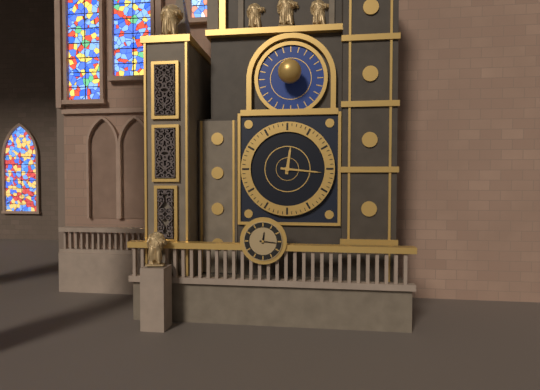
12:16
